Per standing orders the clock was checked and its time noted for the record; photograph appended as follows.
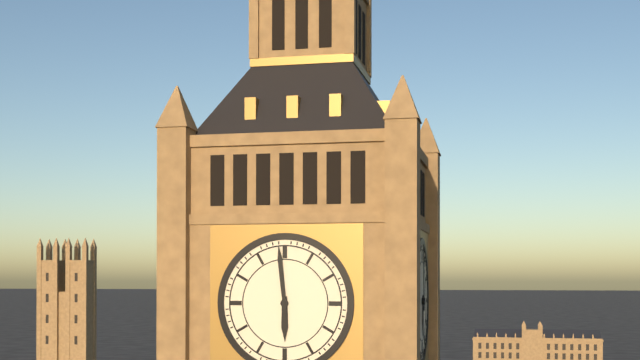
5:59
